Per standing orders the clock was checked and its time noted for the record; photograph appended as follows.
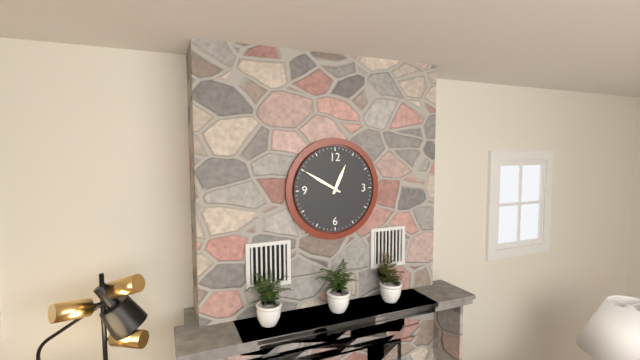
12:50
